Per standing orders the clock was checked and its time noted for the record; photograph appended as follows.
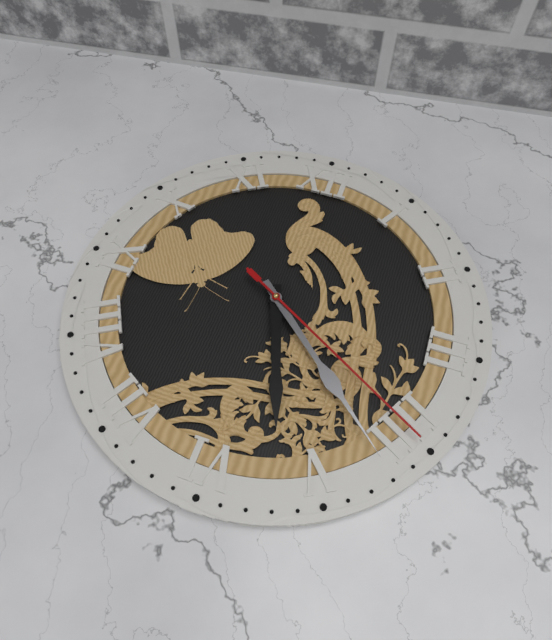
5:22:20
